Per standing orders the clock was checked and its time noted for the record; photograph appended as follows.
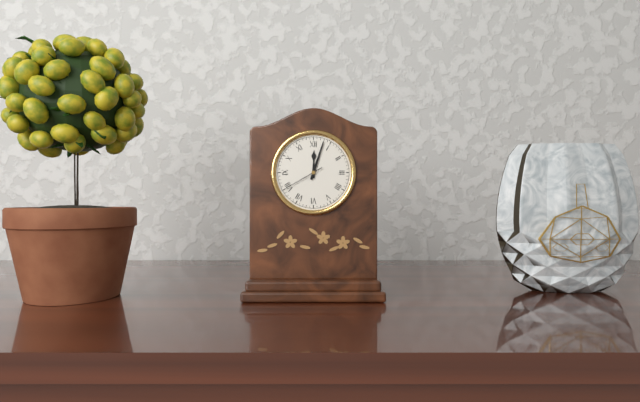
12:03
